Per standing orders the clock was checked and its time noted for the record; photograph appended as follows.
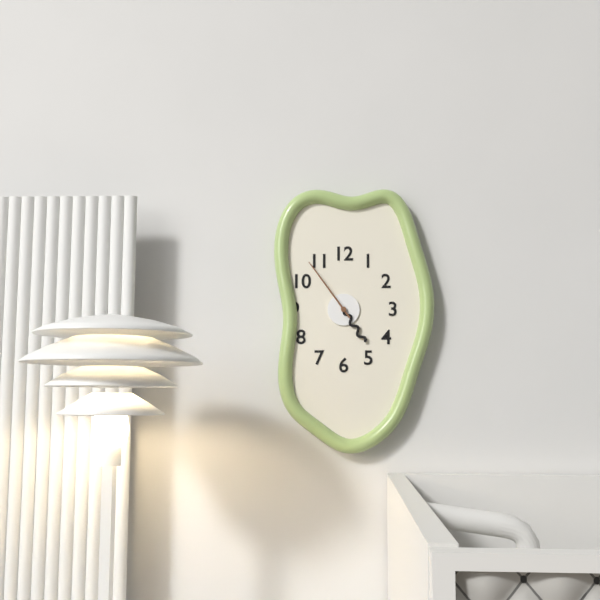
4:54
